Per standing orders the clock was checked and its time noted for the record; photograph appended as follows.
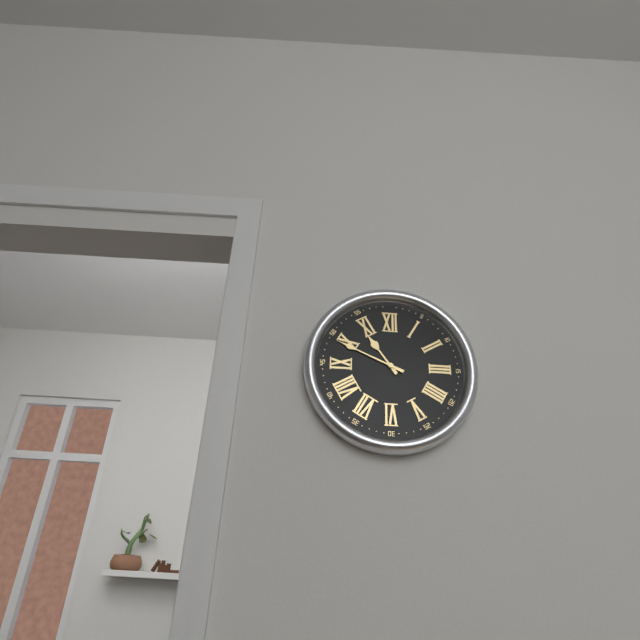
10:49
